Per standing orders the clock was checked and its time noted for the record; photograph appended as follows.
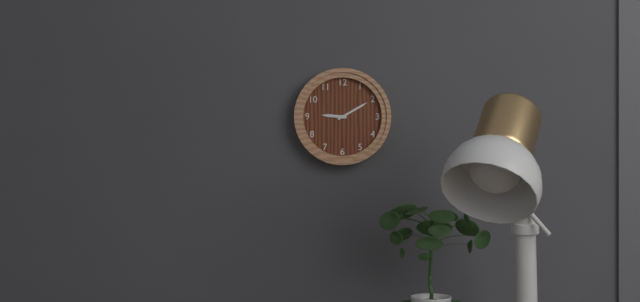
9:10
